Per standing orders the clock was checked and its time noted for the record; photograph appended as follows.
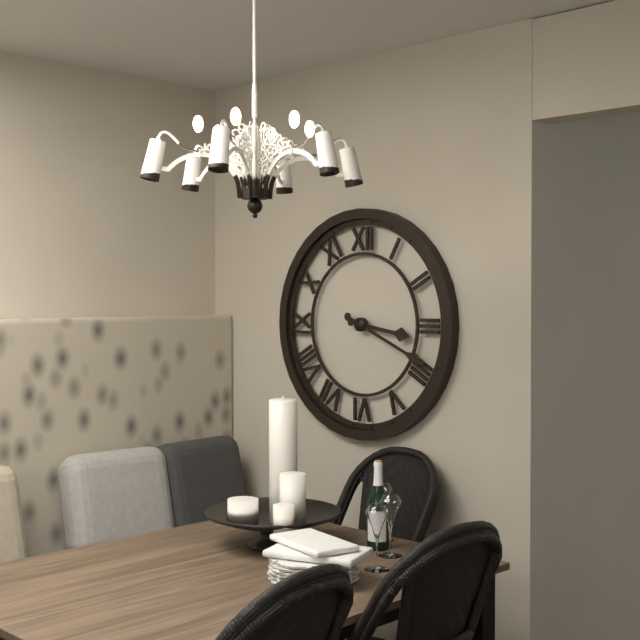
3:19
